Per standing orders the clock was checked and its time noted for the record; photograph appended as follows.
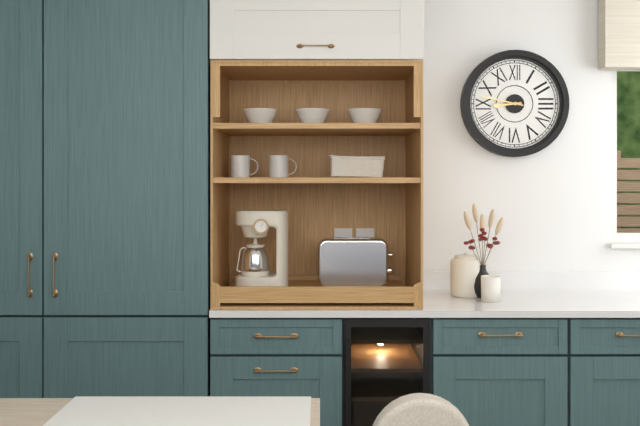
8:47
